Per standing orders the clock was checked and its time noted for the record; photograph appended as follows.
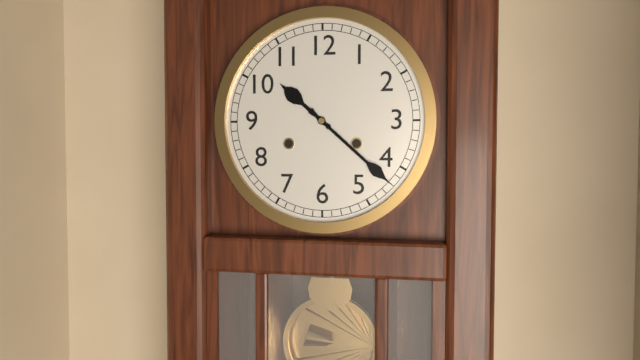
10:22
